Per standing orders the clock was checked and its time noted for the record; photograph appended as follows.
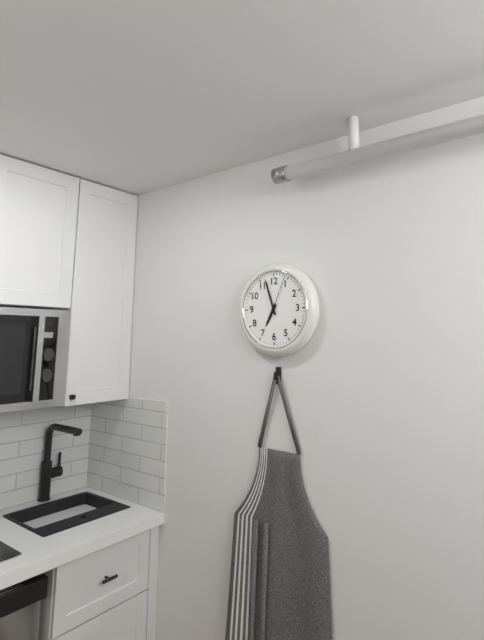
6:57
